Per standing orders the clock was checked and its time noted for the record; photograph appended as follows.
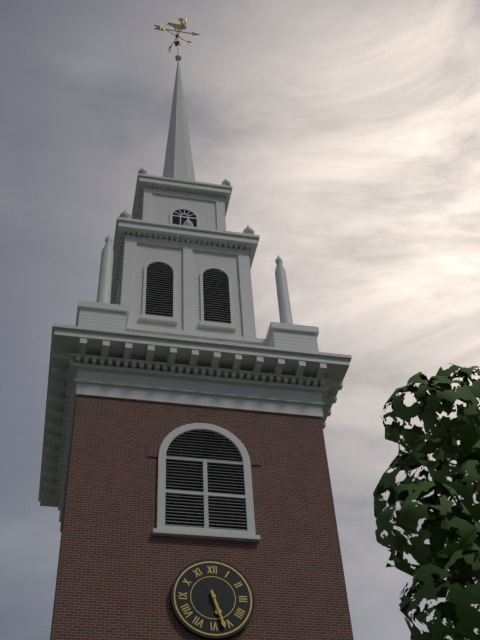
5:27
